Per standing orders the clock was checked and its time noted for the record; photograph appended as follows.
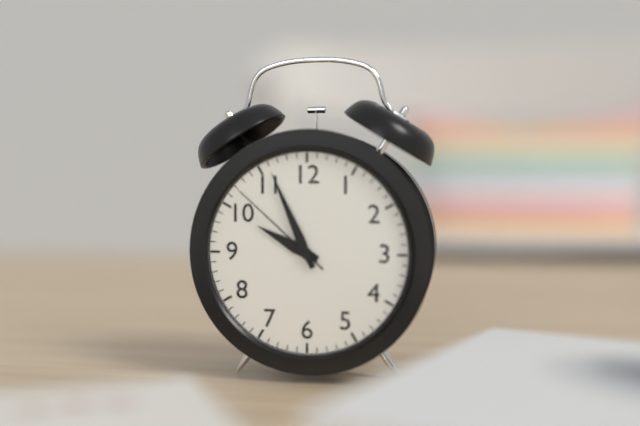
9:56:52
